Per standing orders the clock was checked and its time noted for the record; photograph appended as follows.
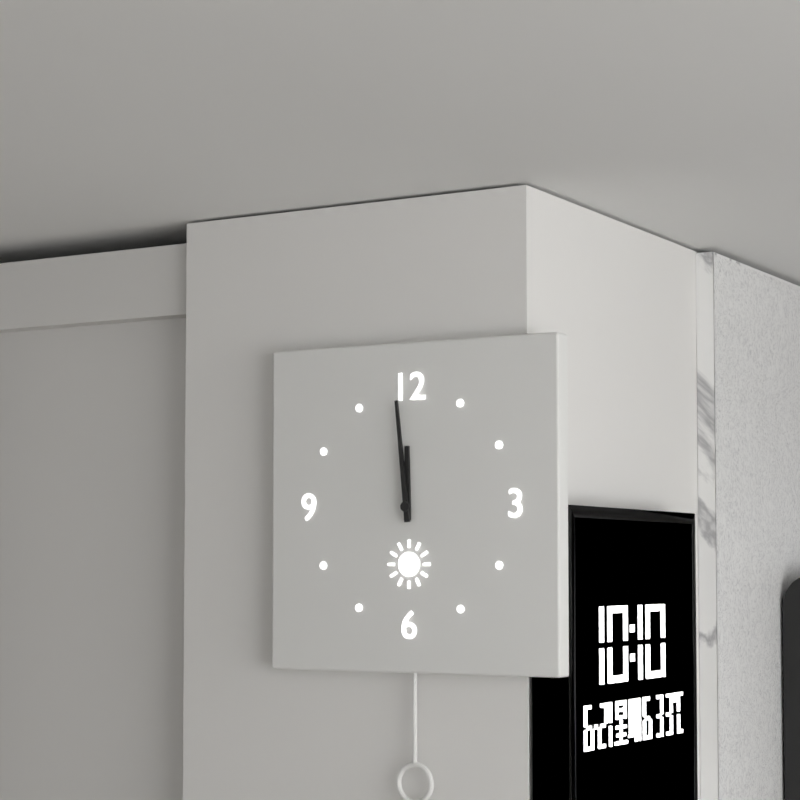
11:59
